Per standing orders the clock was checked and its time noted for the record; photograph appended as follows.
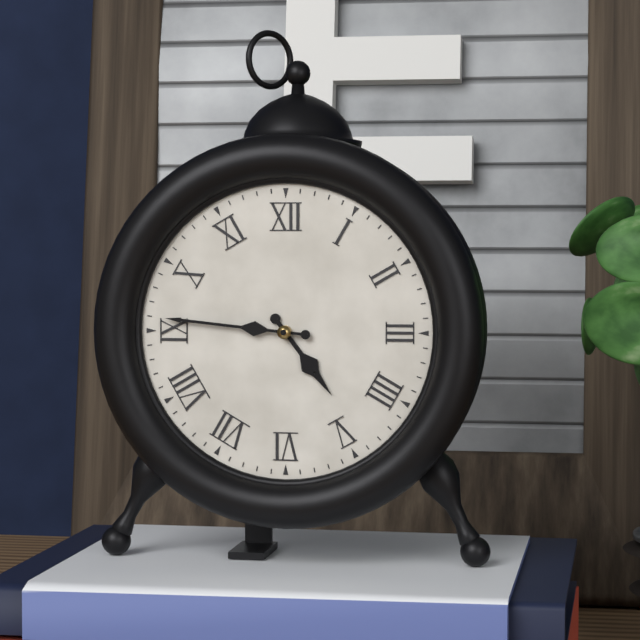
4:46
